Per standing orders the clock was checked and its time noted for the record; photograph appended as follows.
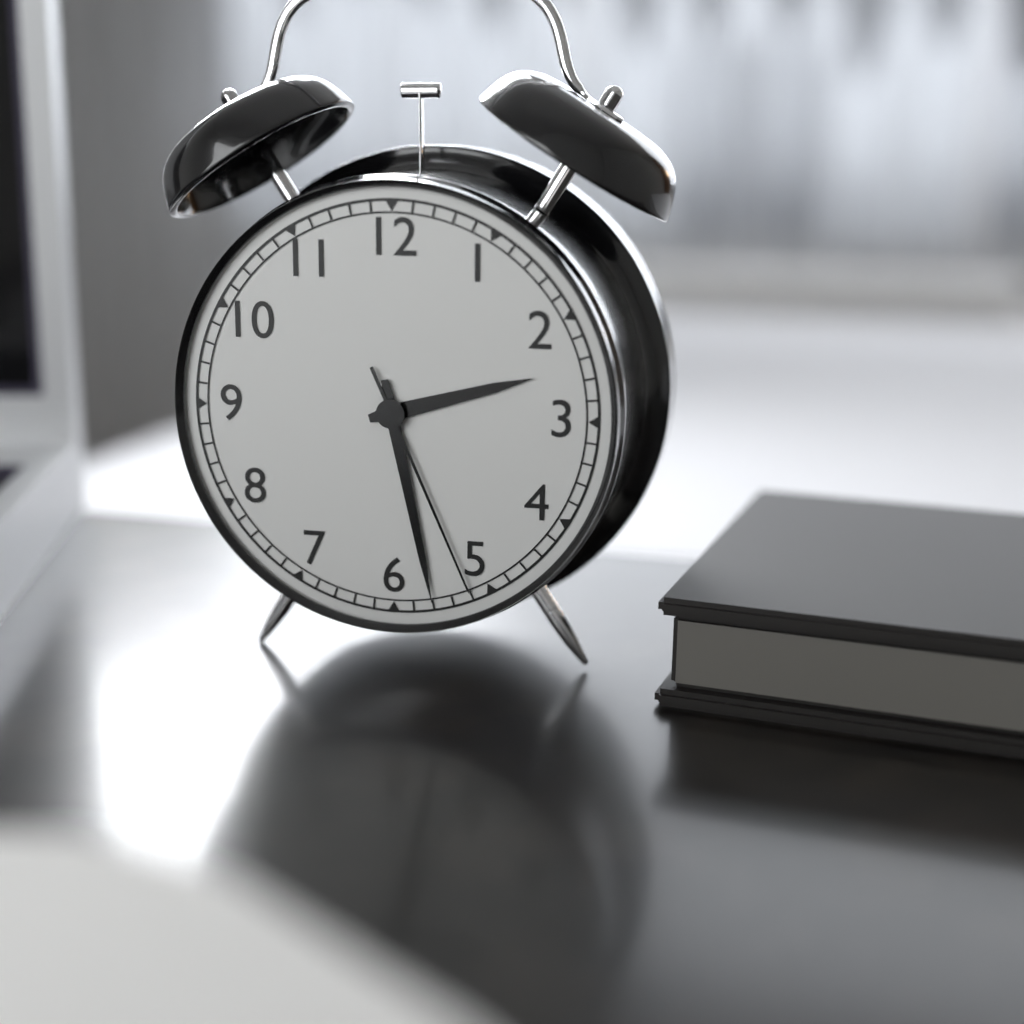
2:28:26
